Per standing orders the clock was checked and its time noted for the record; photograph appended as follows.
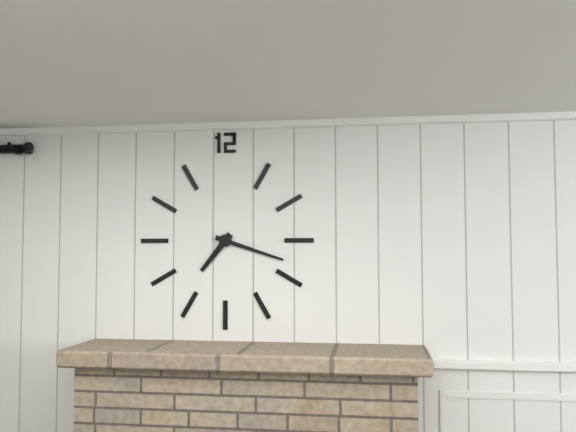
7:18
